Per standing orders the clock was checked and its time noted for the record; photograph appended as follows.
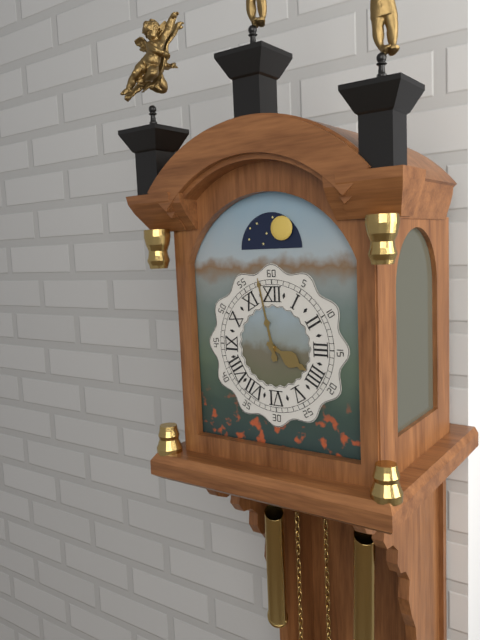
3:58
